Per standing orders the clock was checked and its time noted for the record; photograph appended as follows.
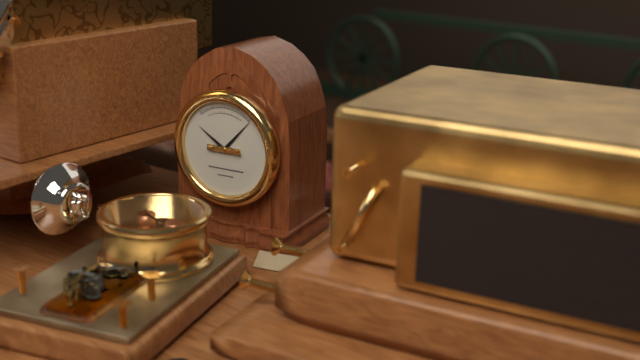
10:07
